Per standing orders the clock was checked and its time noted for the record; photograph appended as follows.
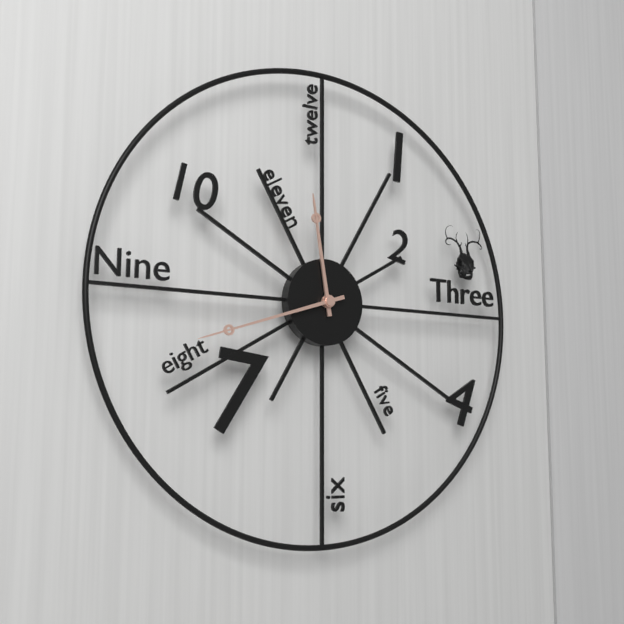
11:42
